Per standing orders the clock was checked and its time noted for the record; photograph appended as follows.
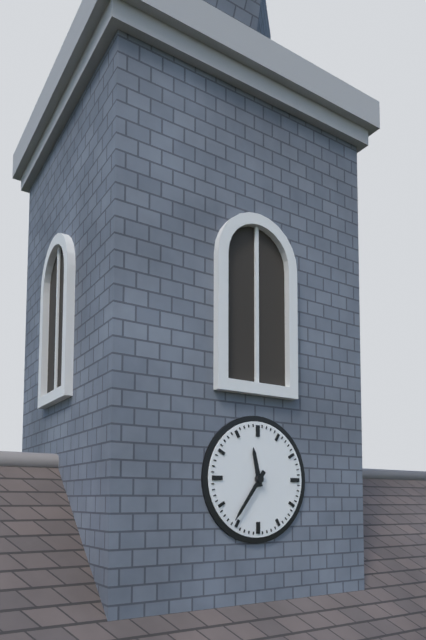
11:36
